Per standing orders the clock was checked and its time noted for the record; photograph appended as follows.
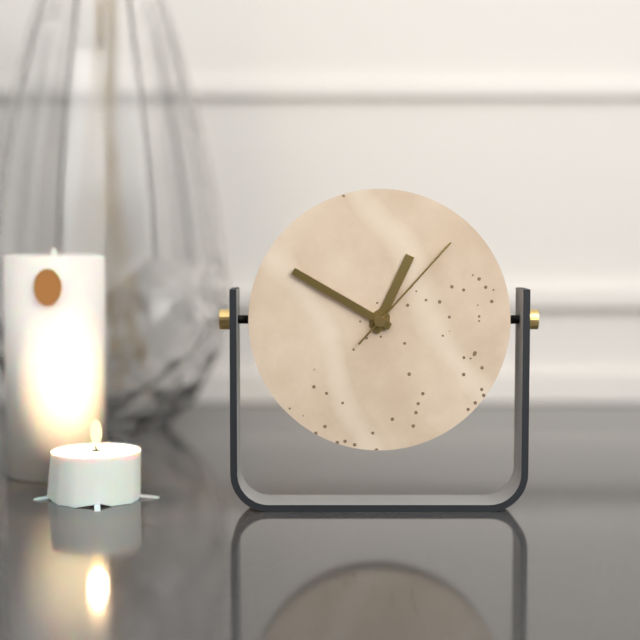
12:50:07
